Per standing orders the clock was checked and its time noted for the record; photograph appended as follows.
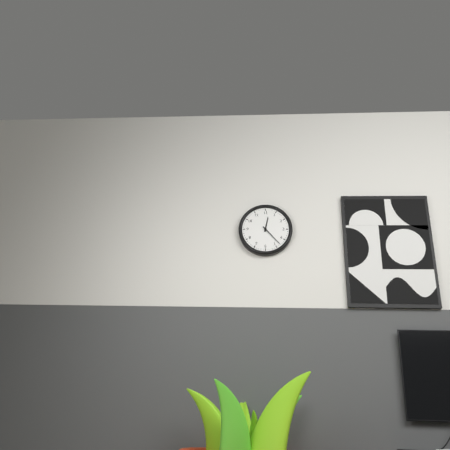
12:23
